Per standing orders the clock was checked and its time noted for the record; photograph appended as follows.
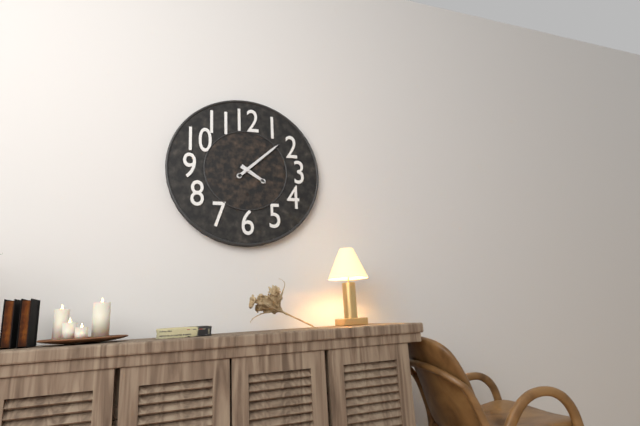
4:08
